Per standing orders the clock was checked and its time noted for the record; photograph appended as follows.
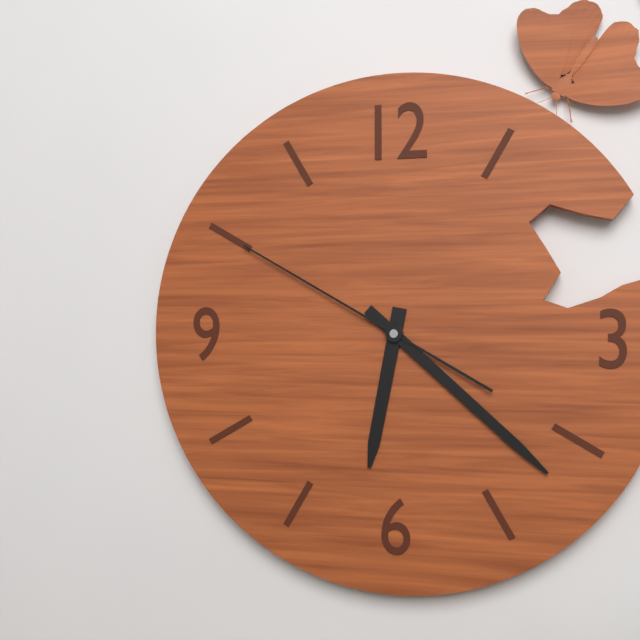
6:22:50
